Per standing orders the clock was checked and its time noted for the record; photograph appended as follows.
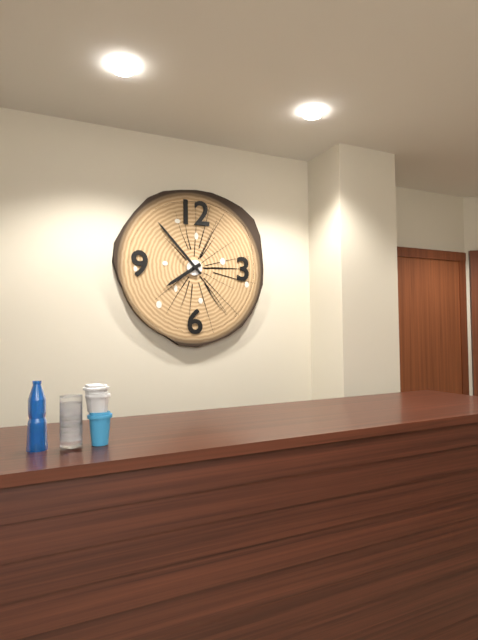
7:53
